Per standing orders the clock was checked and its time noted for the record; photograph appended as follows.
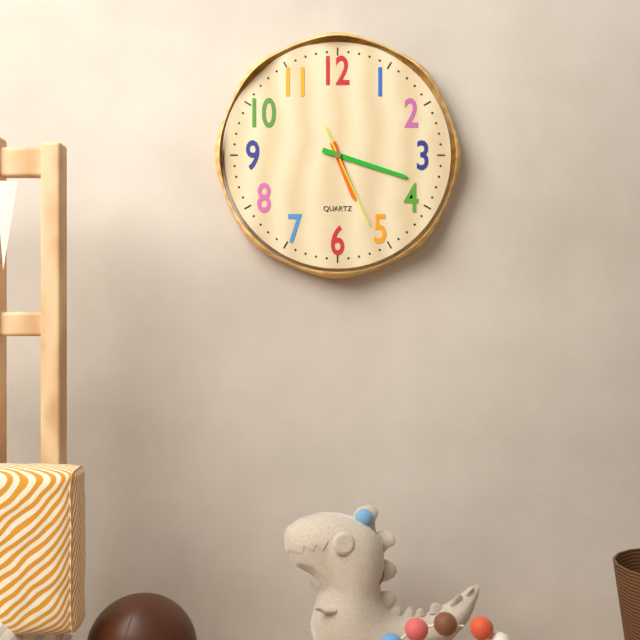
5:18:26
